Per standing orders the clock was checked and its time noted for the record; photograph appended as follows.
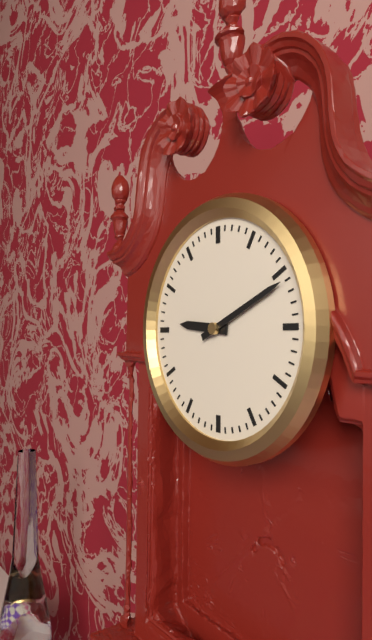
9:11
